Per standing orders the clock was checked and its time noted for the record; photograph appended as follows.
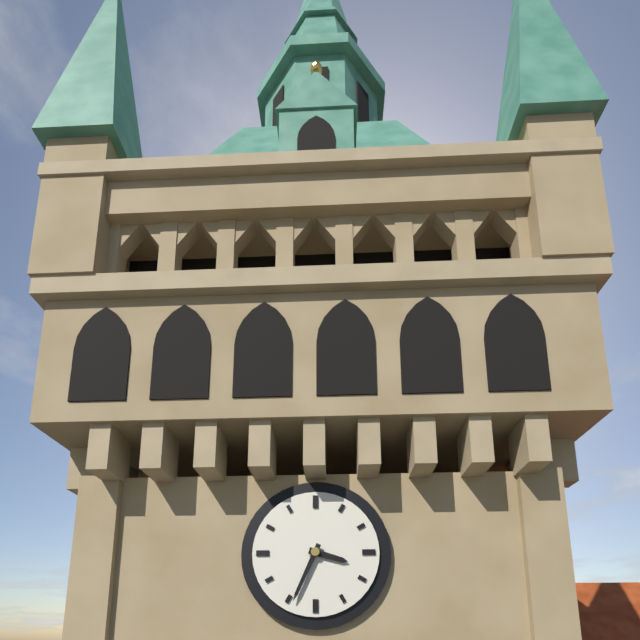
3:34
